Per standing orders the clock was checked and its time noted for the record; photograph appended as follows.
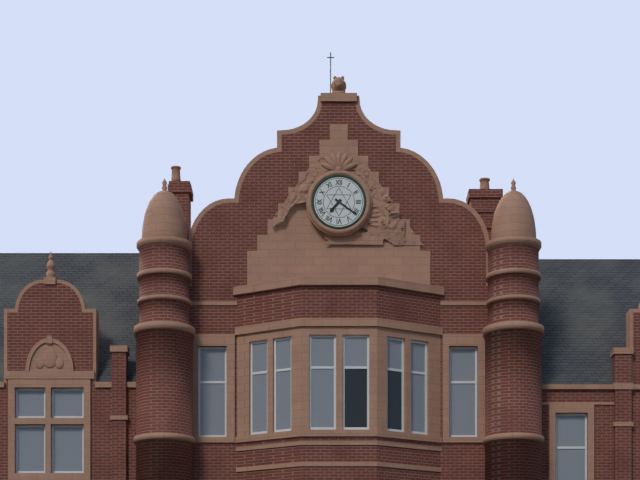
7:21
